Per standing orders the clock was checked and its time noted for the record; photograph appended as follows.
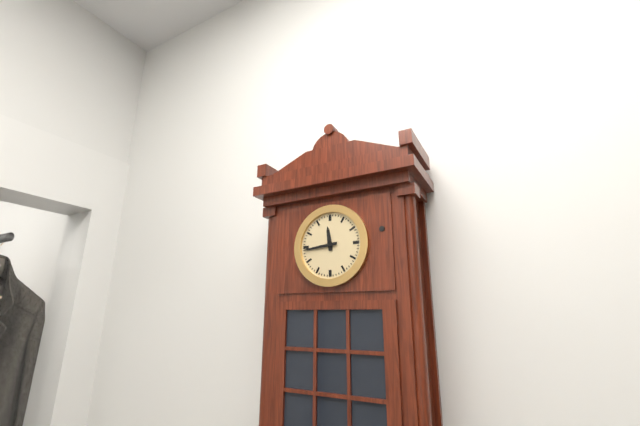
11:44
